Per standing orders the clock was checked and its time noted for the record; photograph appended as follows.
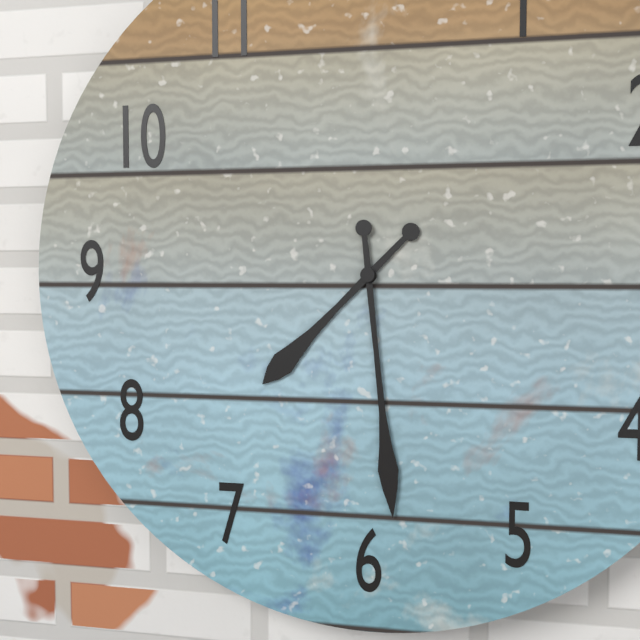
7:29
